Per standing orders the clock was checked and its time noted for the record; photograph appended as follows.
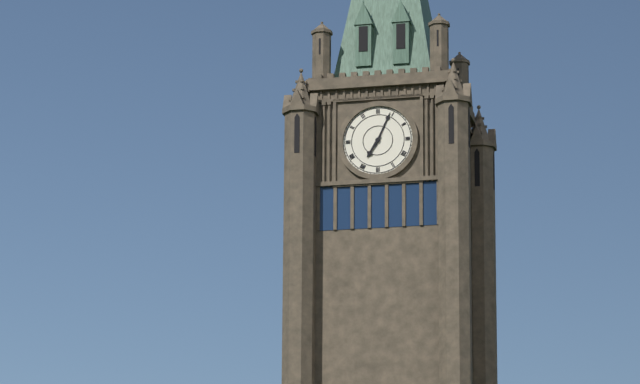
7:04
